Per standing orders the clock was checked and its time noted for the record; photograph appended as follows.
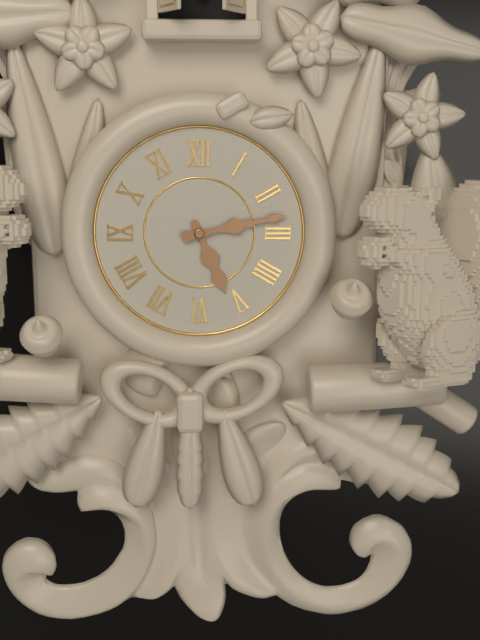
5:13
